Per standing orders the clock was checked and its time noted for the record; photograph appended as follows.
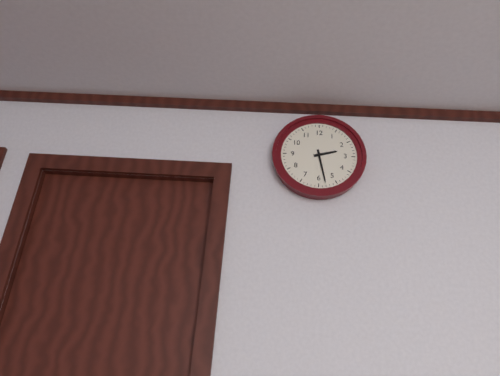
2:28
